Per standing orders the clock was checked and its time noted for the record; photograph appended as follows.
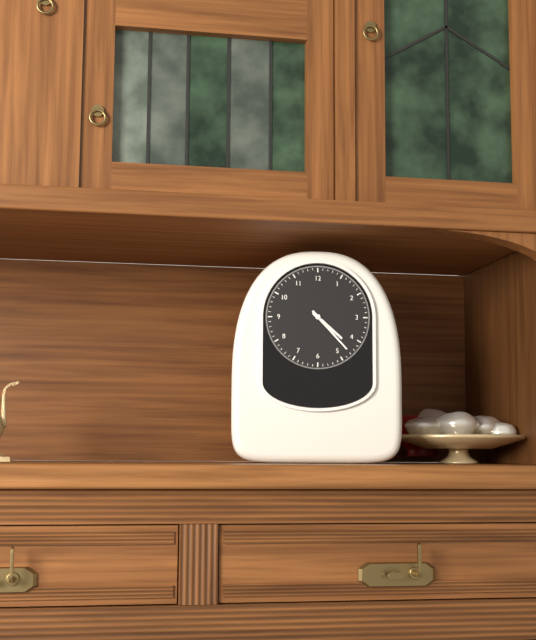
4:23
